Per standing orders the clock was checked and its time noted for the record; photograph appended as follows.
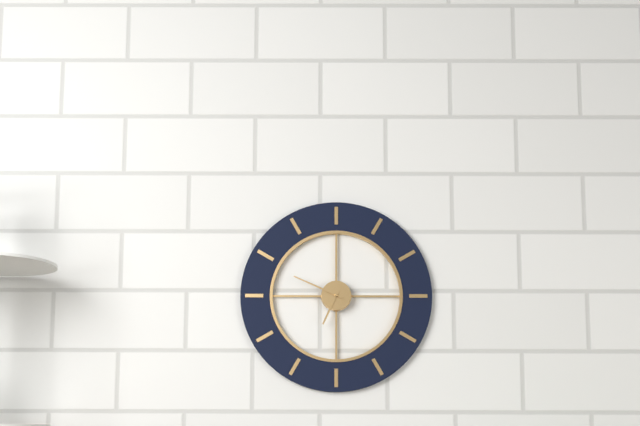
6:49
